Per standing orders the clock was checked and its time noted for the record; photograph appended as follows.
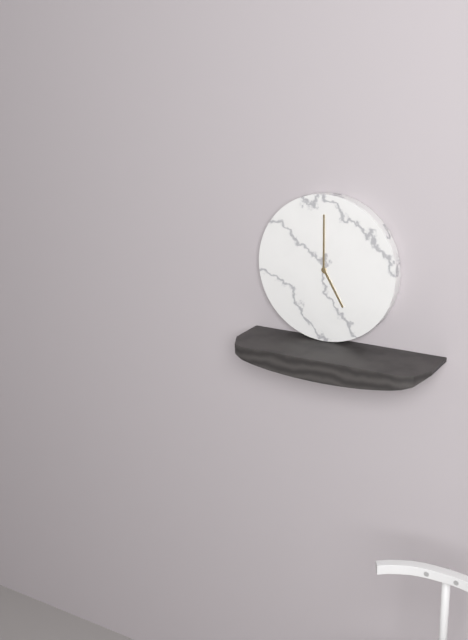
5:00
